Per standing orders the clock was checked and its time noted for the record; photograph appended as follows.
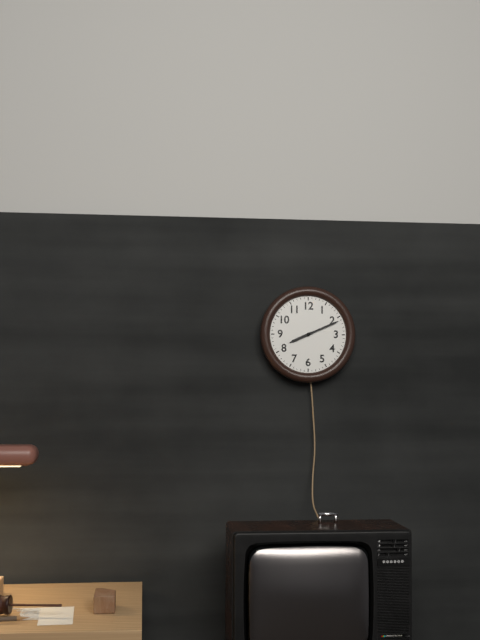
8:11
